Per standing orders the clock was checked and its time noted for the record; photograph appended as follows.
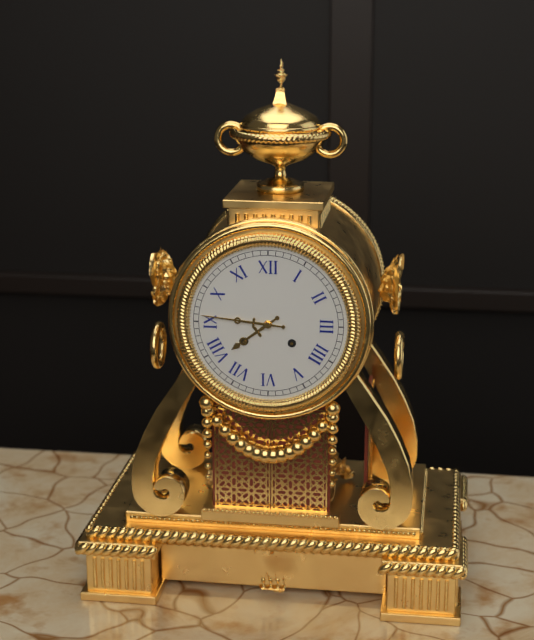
7:46
